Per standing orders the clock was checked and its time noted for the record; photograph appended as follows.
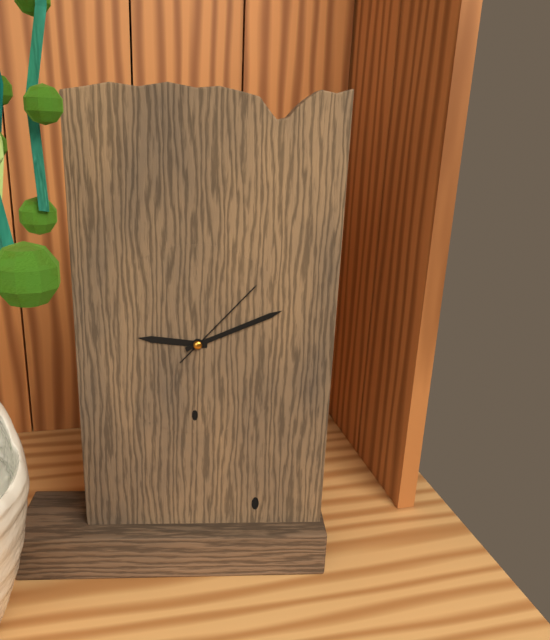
9:11:07
